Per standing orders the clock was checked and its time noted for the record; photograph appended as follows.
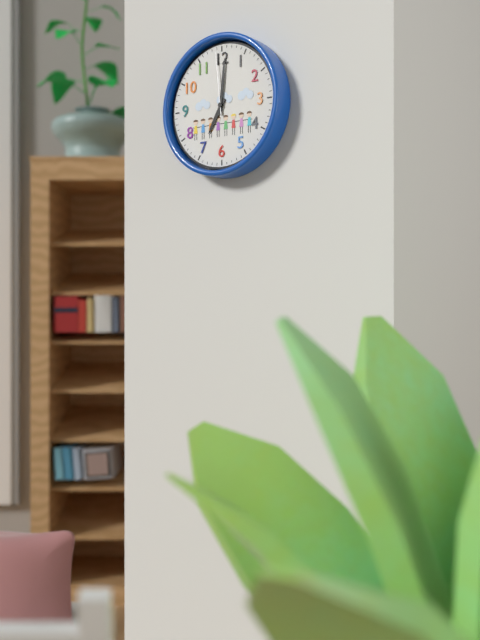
7:01:59
